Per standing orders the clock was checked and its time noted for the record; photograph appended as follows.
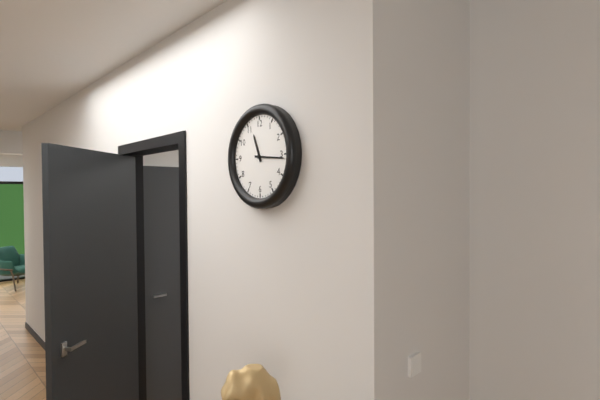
11:16
